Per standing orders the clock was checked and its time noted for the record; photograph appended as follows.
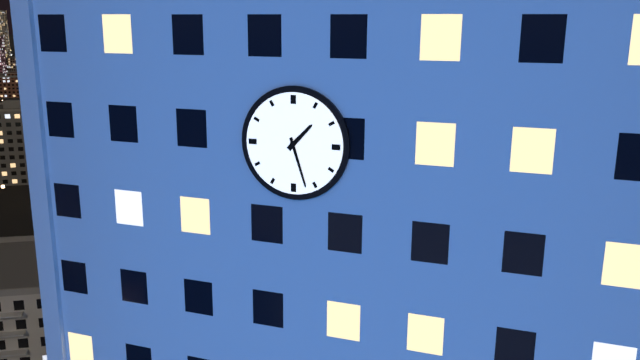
1:27
